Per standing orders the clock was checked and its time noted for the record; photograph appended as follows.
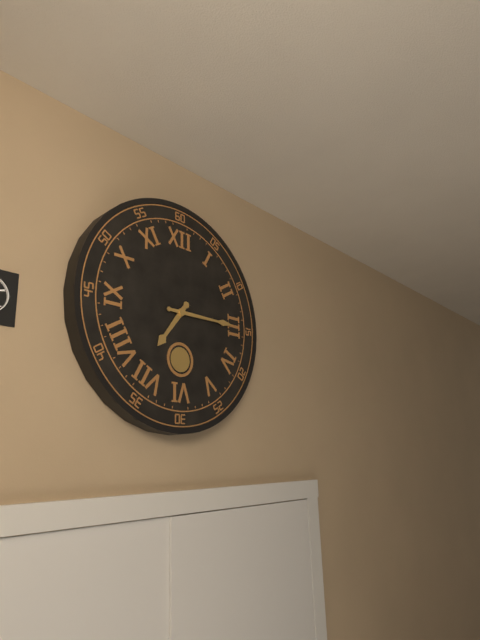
7:15
